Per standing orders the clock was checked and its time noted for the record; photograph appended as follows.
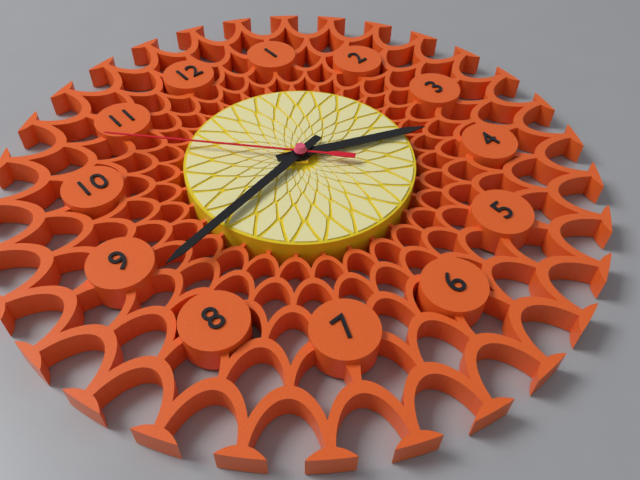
3:43:53
